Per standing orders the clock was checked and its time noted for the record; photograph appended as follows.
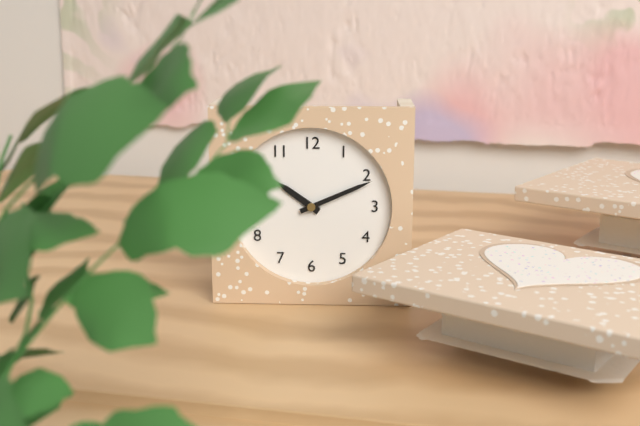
10:11
